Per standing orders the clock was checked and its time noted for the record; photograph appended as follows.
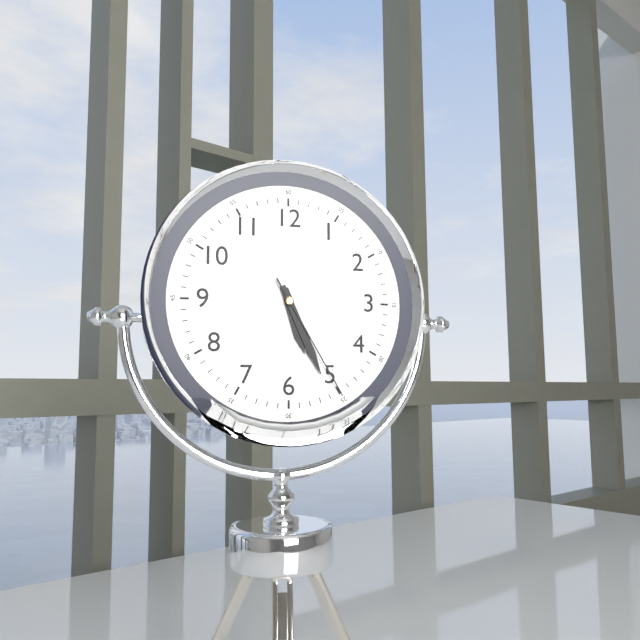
5:26:25
